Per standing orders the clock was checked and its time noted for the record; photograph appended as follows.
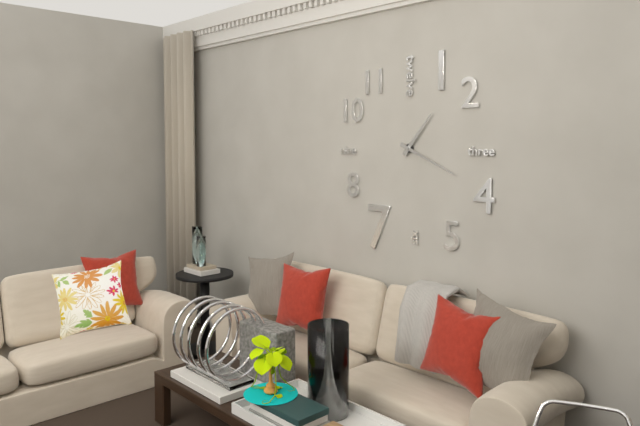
1:19
